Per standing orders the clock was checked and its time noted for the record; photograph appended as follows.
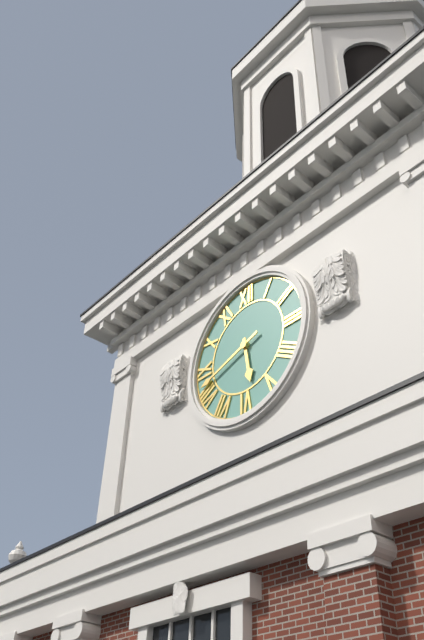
5:42
